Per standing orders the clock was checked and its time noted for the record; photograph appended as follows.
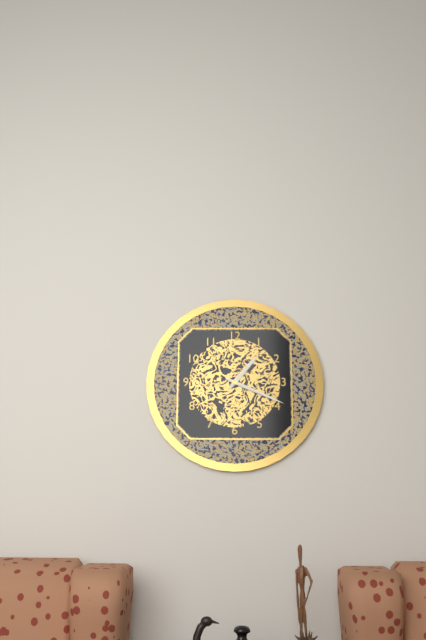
1:19
